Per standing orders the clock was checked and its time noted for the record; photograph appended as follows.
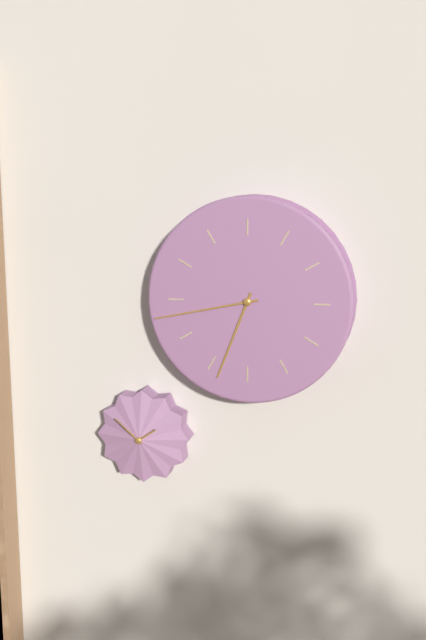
6:43
